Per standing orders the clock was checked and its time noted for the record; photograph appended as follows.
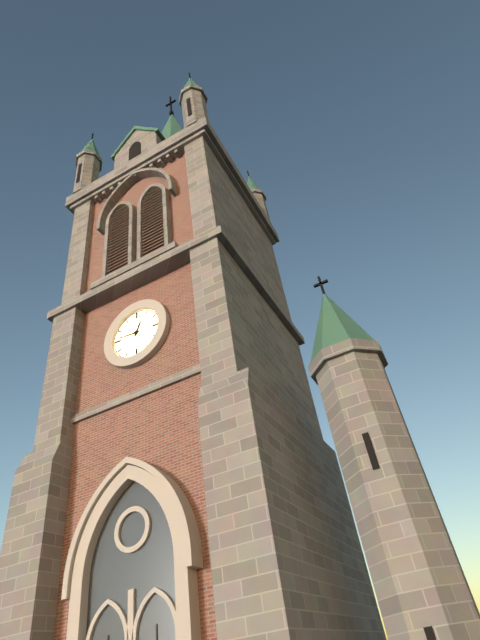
12:46
